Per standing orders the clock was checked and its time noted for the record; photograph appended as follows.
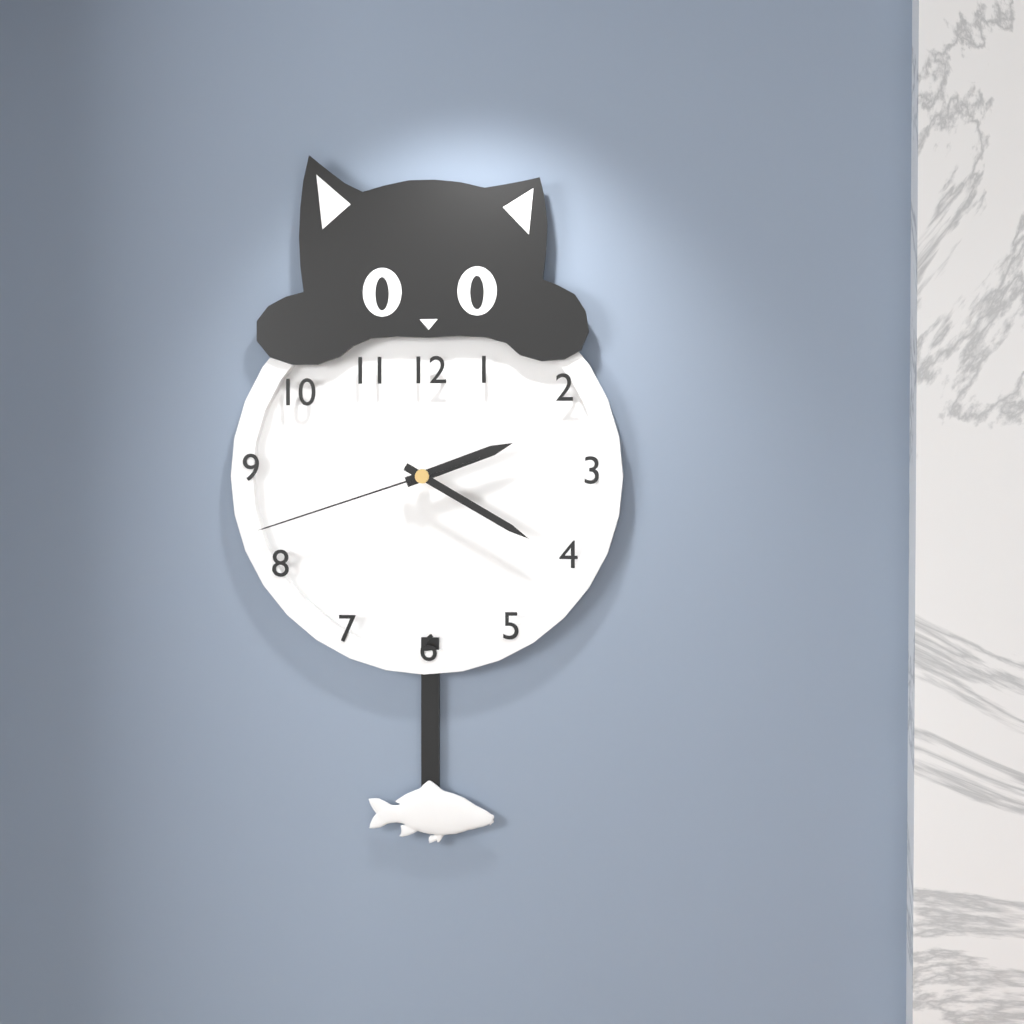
2:20:42
